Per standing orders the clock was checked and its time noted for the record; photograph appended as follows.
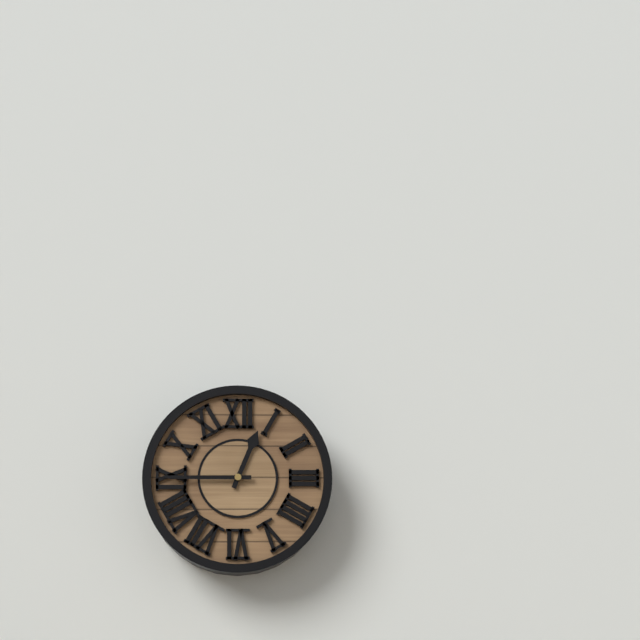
12:45
